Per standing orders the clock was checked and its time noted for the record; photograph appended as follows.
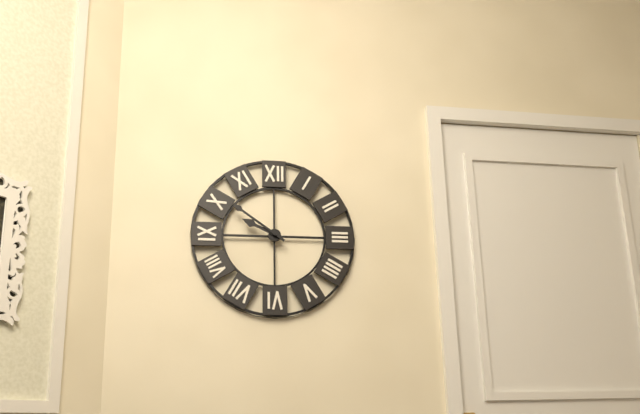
9:51
